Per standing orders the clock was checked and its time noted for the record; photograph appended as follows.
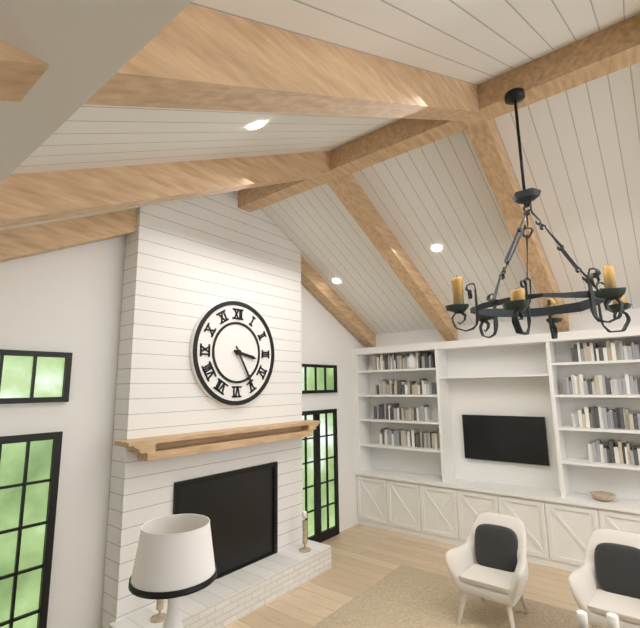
3:25
